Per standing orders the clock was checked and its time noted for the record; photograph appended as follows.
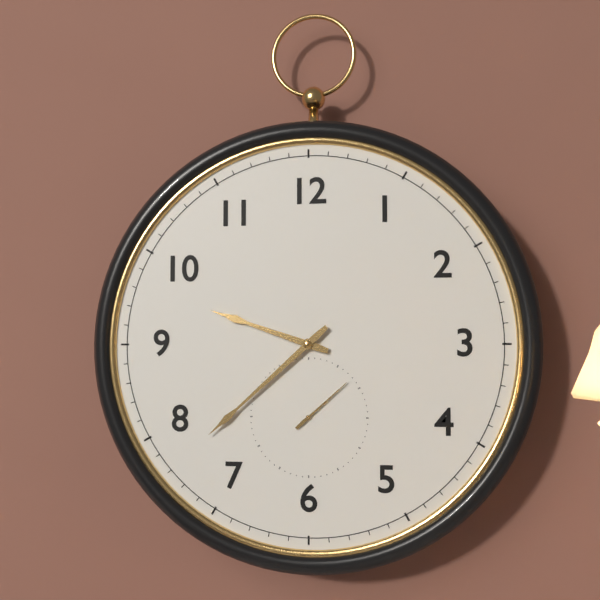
9:38:08
